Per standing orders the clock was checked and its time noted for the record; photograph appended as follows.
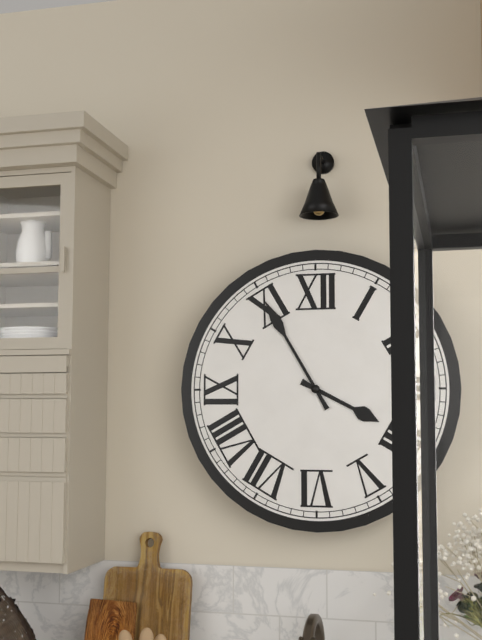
3:55
